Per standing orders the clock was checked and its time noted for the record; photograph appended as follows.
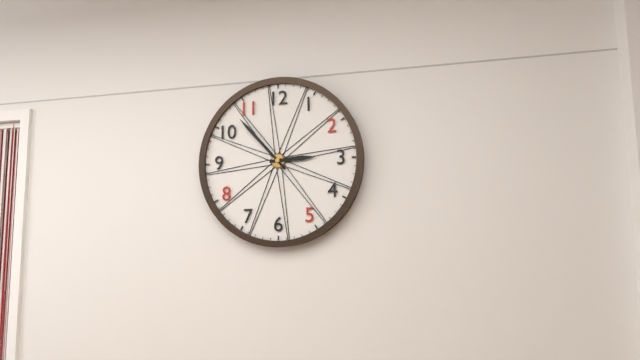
2:53
